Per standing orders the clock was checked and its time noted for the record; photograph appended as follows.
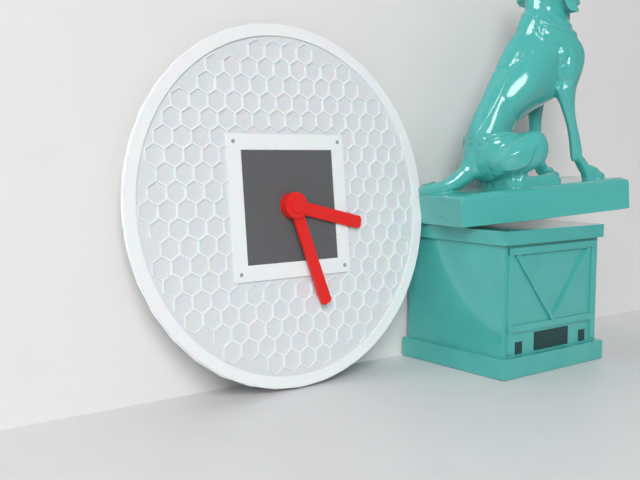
3:27
